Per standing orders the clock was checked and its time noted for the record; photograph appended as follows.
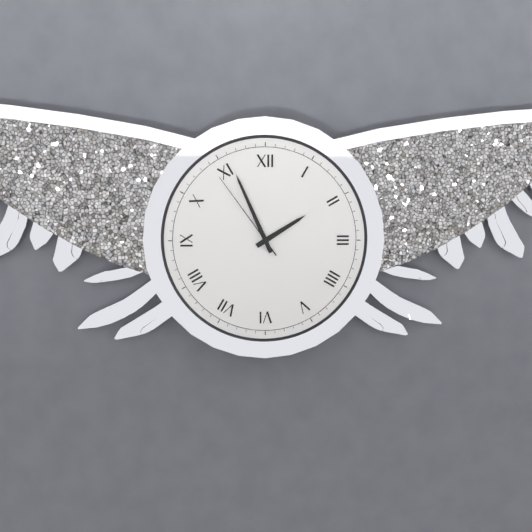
1:56:54
